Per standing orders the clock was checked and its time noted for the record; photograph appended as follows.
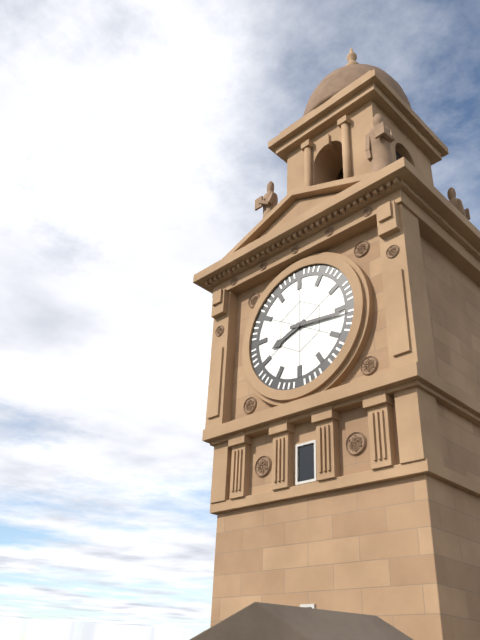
8:16
